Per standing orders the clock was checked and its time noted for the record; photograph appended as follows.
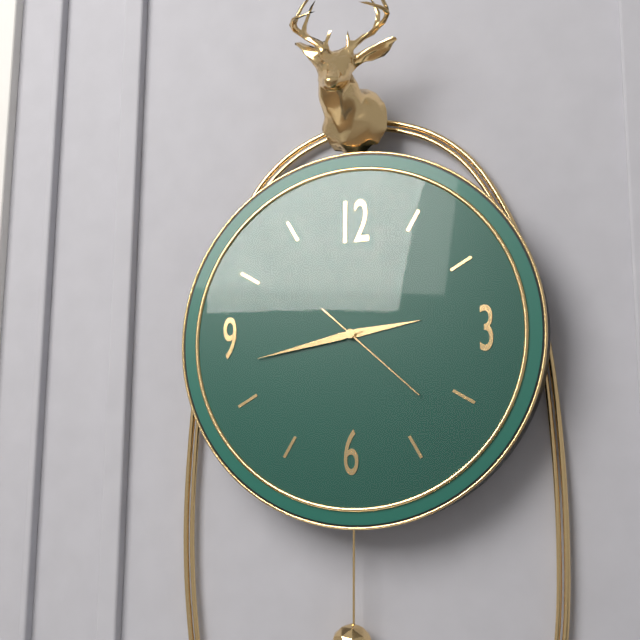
2:43:22
